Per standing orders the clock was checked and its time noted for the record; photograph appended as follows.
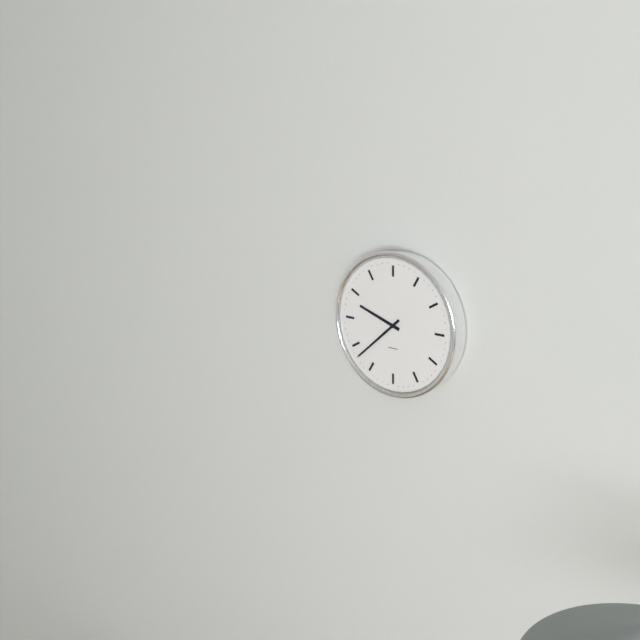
9:38
